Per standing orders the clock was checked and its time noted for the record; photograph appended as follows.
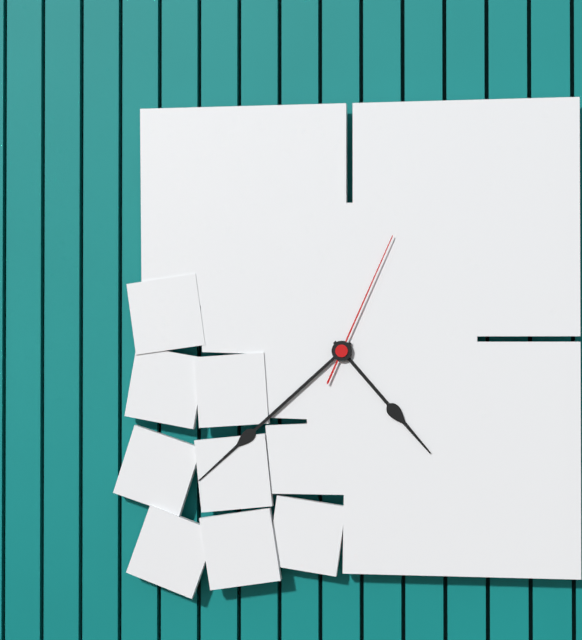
4:38:04
